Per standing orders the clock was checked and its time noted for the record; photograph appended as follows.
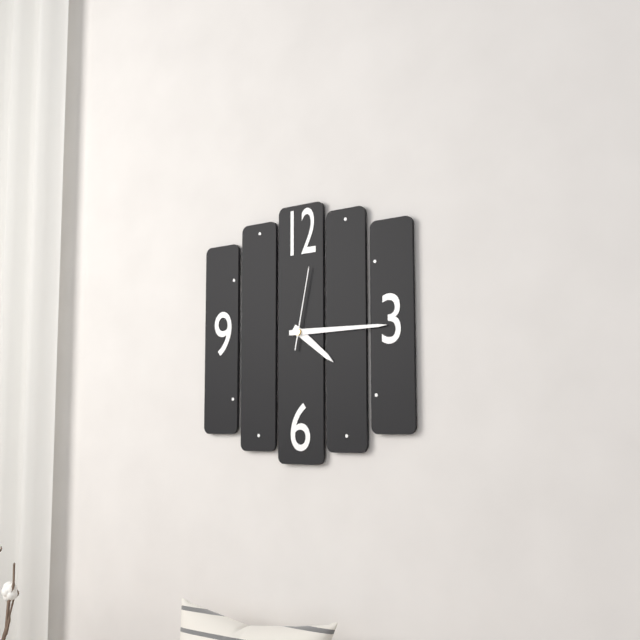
4:15:02
